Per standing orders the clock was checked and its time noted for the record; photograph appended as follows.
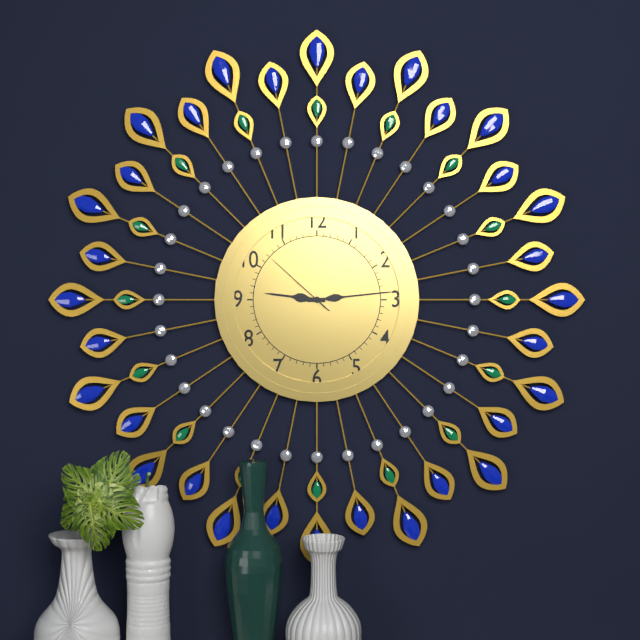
9:14:52
